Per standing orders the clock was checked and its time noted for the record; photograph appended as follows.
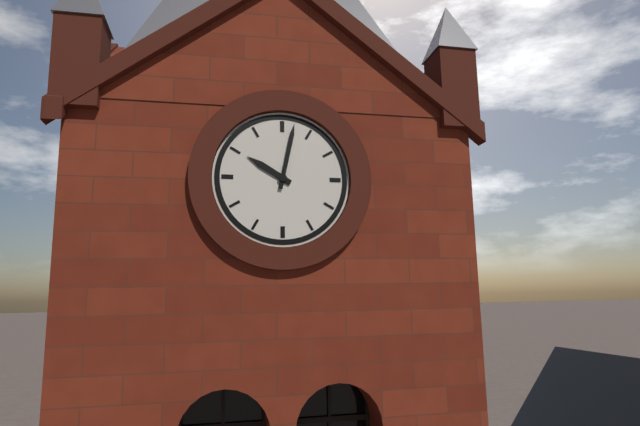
10:02
